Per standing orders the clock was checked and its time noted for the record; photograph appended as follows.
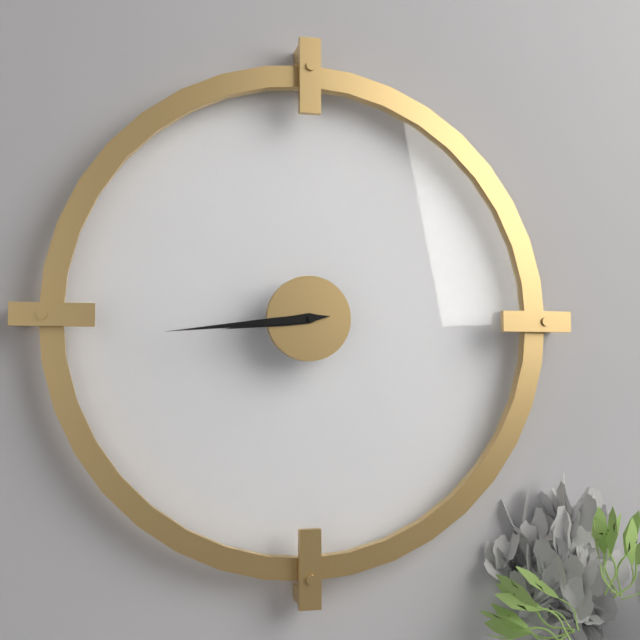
8:44
